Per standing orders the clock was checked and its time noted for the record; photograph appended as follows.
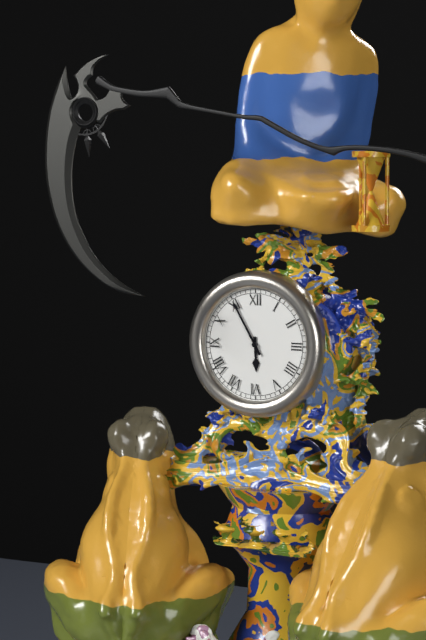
5:55
